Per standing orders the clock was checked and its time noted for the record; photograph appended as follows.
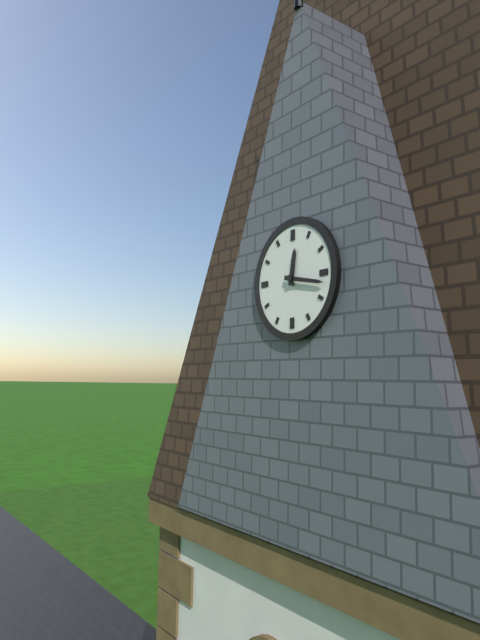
12:17
